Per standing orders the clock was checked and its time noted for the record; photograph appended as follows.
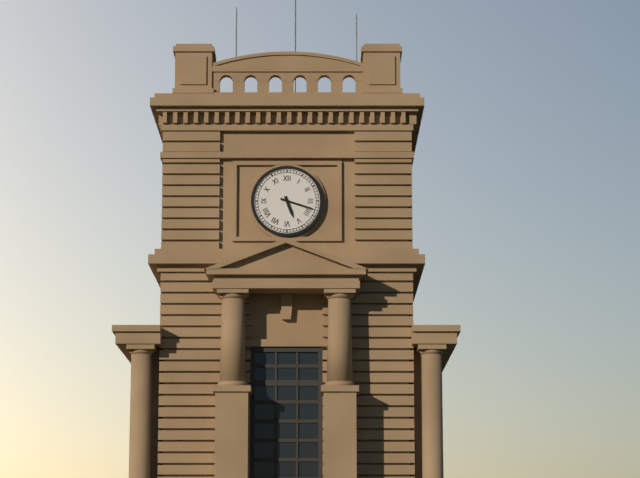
5:18
